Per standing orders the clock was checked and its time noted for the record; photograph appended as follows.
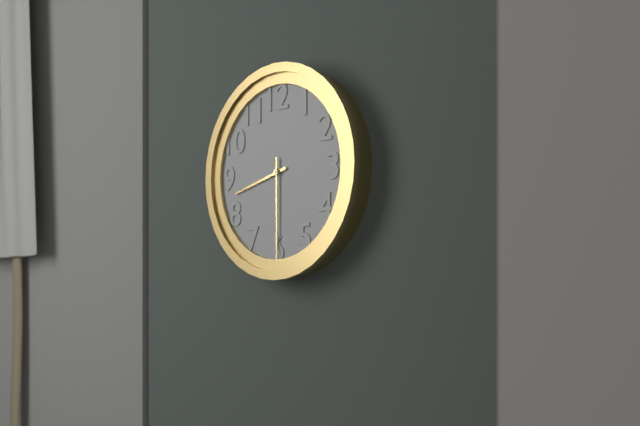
8:30
